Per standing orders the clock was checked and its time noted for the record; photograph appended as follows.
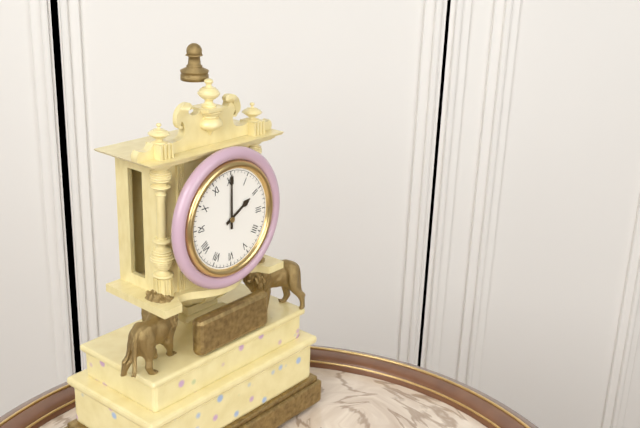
2:00
